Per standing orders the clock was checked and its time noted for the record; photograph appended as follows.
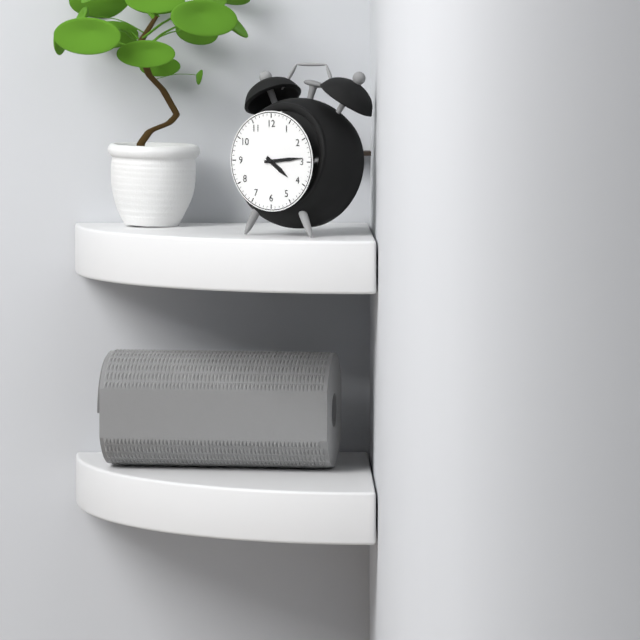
4:14
